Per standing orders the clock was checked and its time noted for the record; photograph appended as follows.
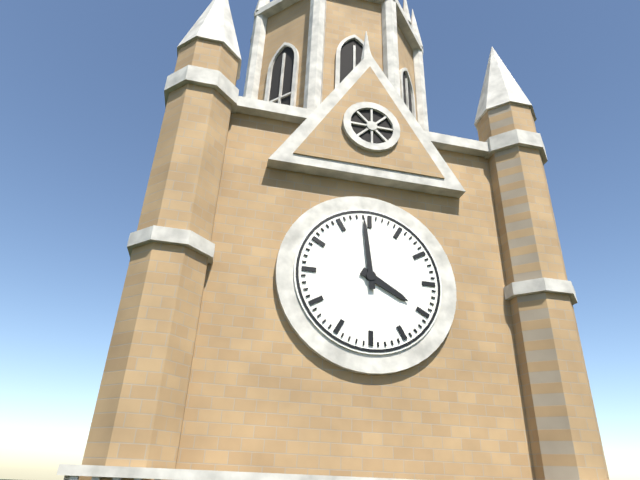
3:59
